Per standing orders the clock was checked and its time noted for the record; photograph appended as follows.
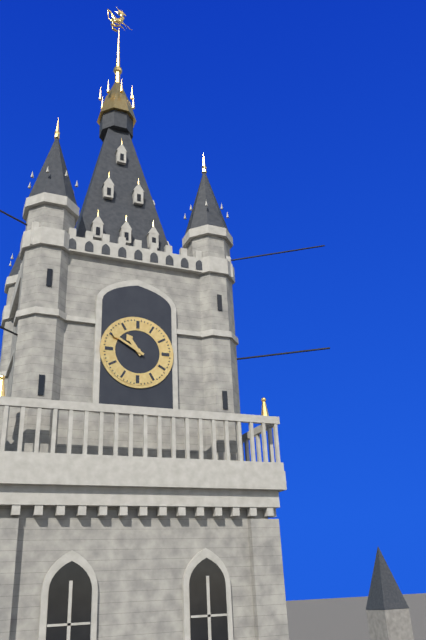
10:50
